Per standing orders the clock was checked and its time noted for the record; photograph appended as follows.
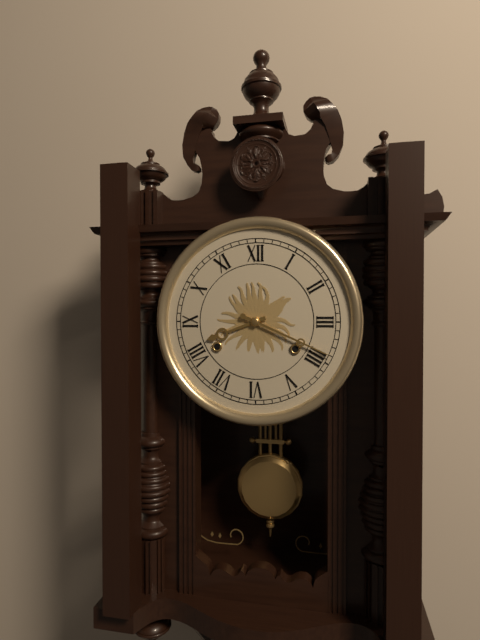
8:19
